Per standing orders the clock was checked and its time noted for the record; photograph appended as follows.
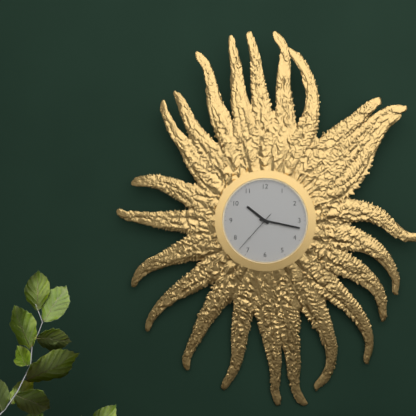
10:17
